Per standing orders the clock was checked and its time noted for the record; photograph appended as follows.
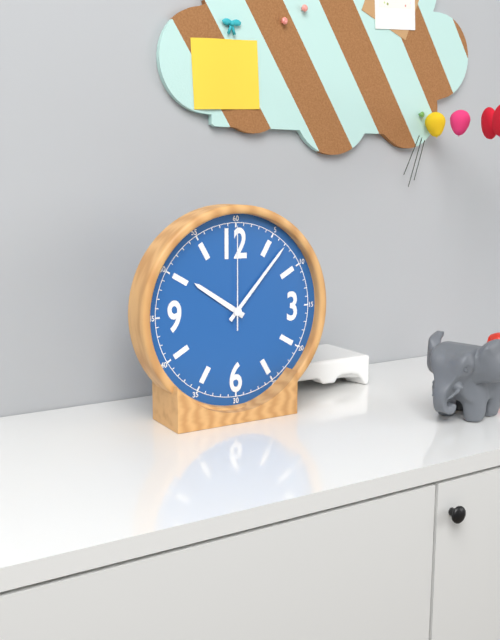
10:07:00
